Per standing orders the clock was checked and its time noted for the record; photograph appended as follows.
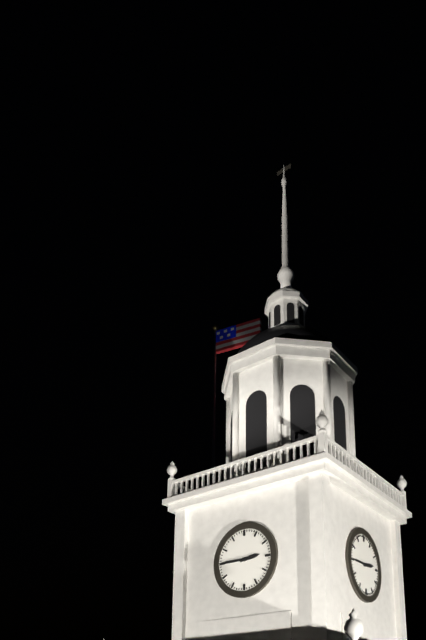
2:45
